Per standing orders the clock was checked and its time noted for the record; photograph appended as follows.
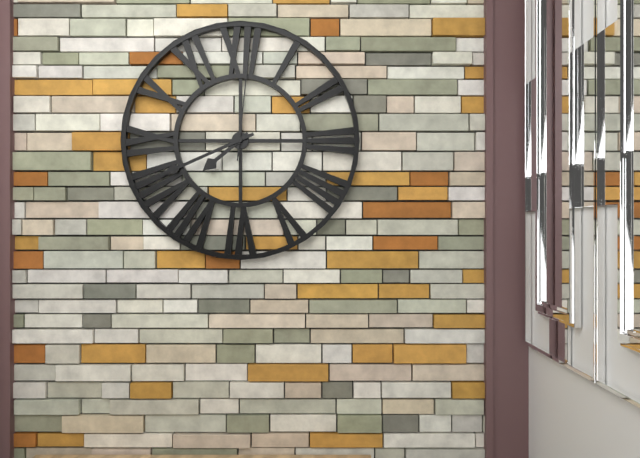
7:41:01
